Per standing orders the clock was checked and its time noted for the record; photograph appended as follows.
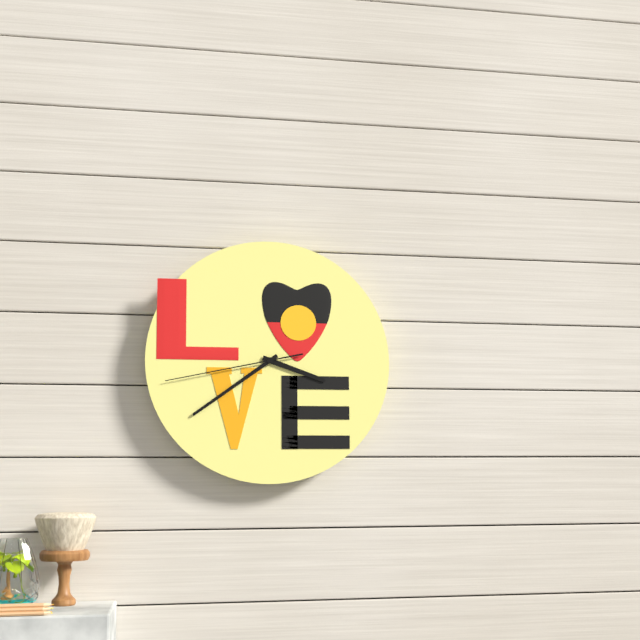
3:39:43
